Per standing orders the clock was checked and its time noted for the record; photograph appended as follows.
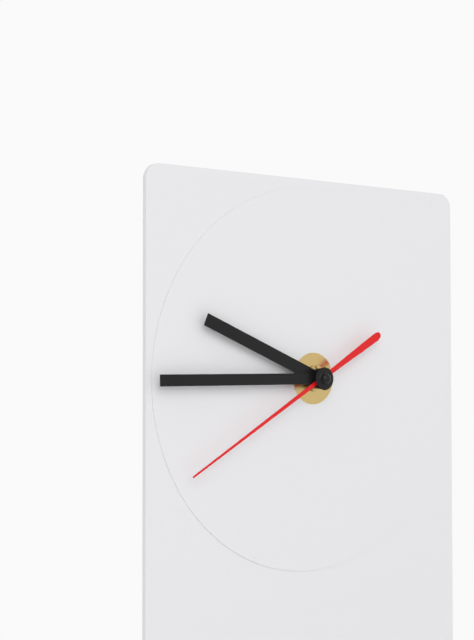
9:45:40
